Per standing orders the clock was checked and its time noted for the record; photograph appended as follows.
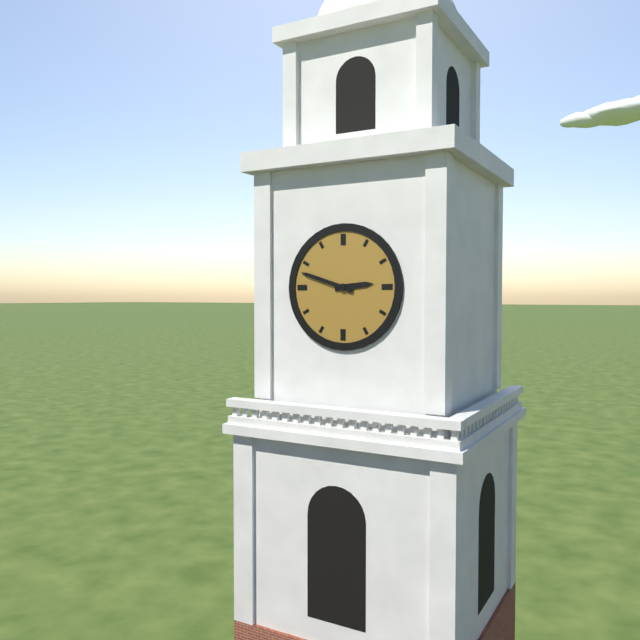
2:48
